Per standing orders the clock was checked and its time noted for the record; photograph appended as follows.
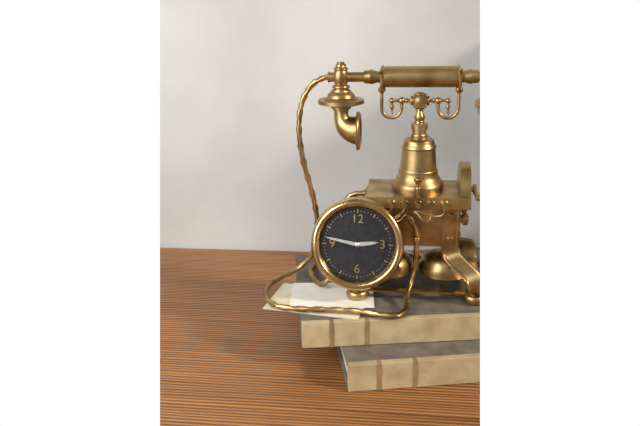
2:47
